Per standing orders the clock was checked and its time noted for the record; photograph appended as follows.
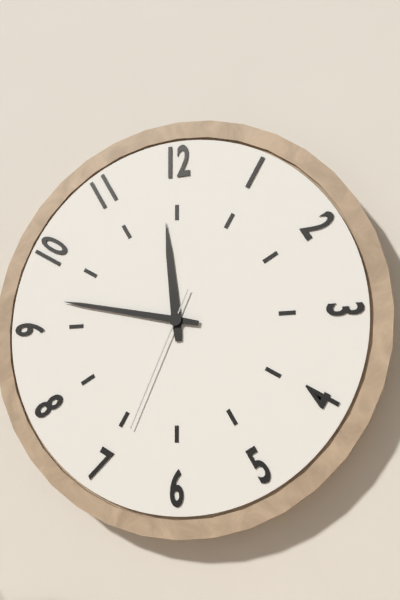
11:47:34
